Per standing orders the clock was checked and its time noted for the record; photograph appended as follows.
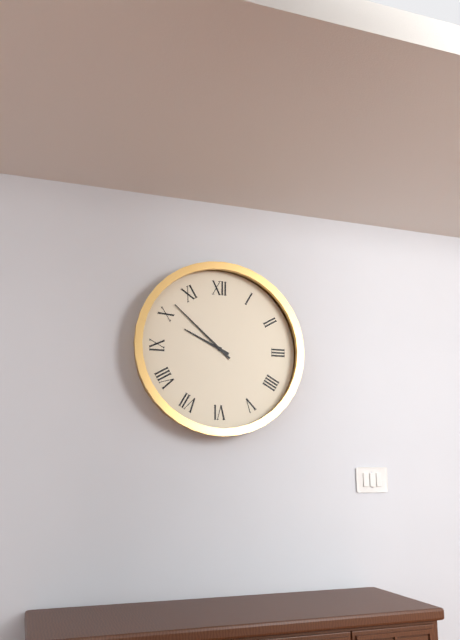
9:52
